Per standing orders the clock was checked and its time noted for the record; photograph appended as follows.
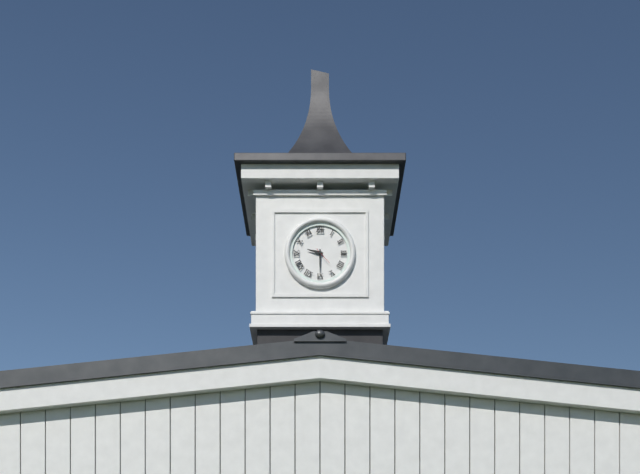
9:30
